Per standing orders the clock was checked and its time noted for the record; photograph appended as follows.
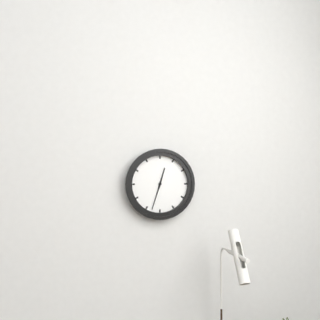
12:33
